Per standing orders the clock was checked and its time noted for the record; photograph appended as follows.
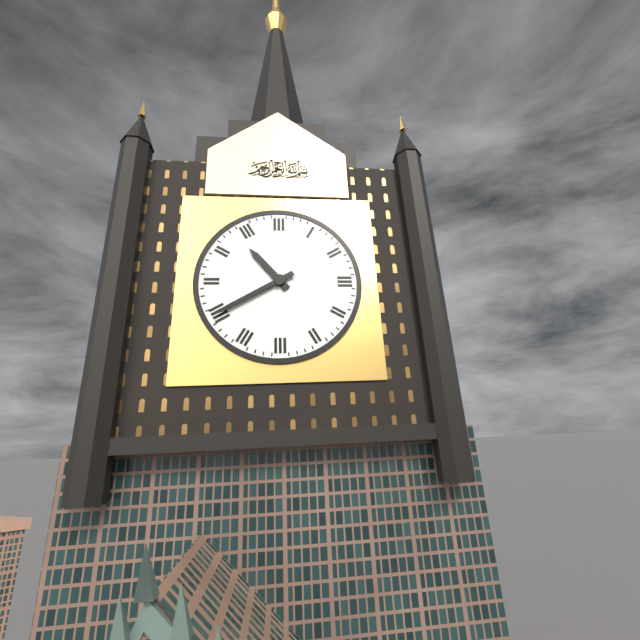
10:40
